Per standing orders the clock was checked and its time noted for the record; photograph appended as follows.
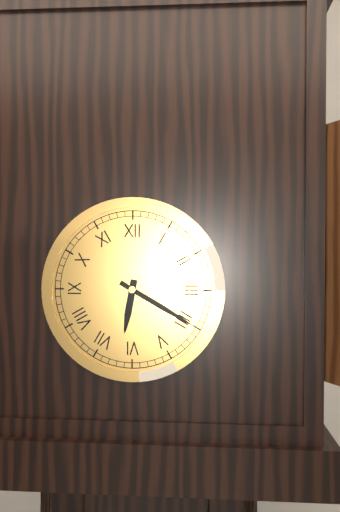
6:20
